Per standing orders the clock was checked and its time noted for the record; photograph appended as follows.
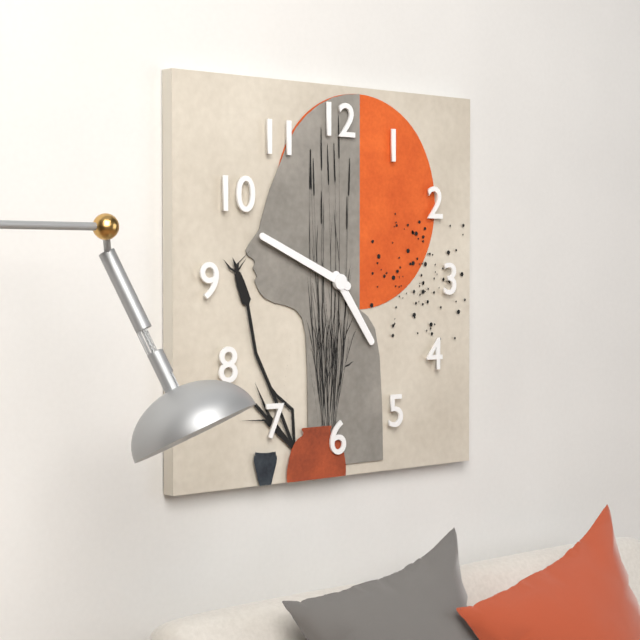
4:49
